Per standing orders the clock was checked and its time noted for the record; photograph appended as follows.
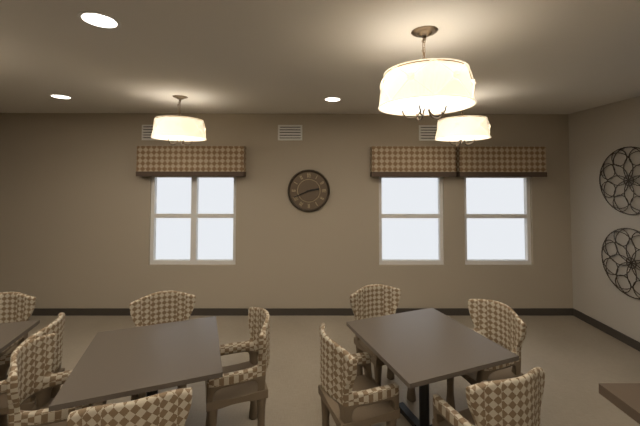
2:41
